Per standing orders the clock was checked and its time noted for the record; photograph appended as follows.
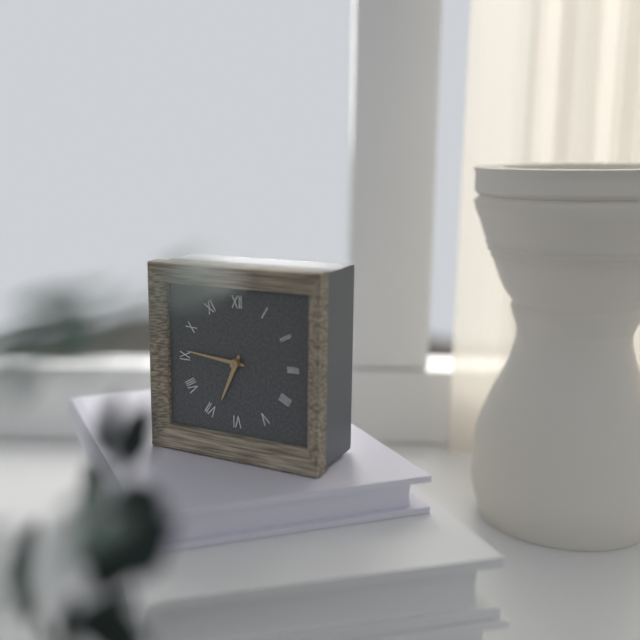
6:46
